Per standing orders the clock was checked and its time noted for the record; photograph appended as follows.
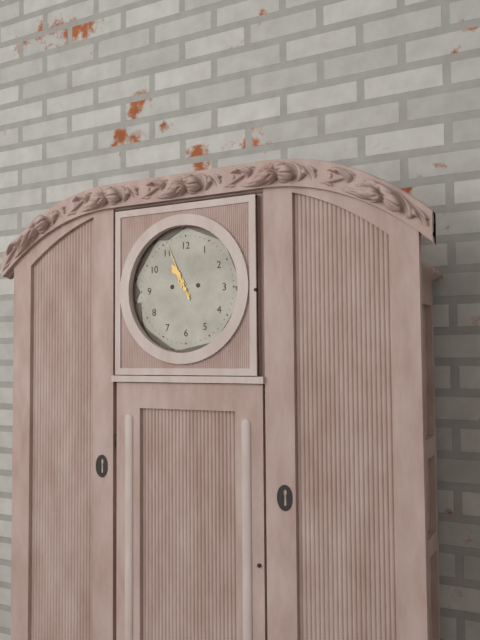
10:56
